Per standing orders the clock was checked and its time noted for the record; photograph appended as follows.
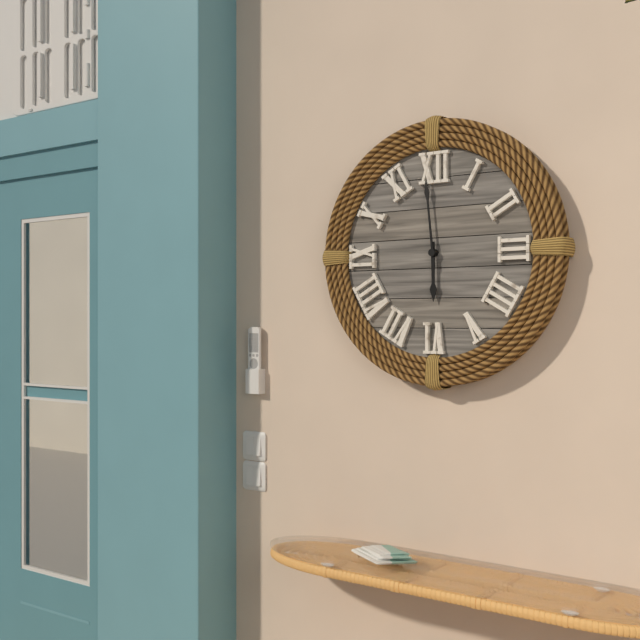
5:59
